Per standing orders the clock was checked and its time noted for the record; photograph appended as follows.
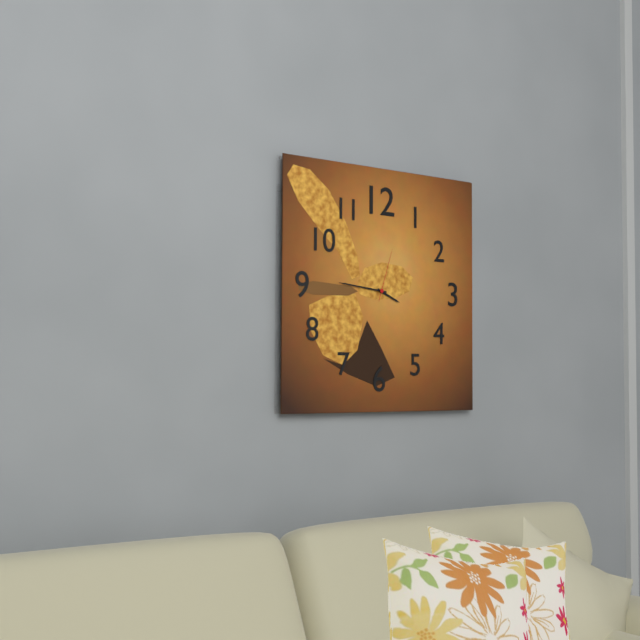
3:46:03
